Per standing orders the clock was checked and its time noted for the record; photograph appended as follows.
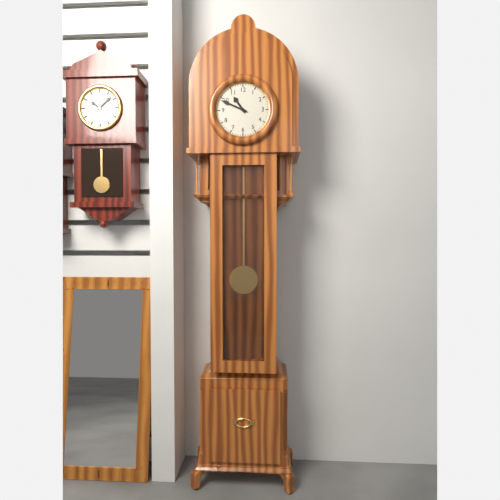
10:49
